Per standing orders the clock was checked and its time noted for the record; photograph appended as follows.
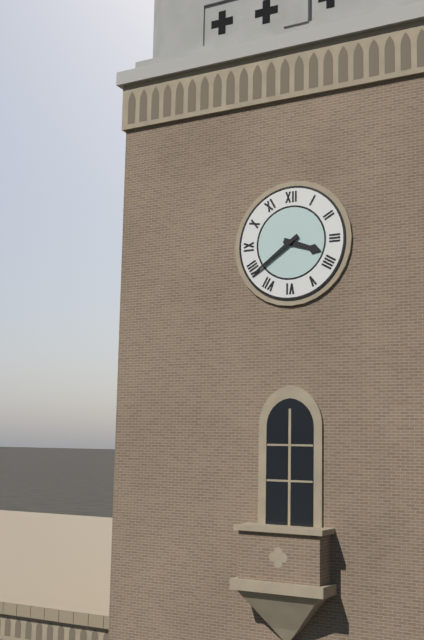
3:39
